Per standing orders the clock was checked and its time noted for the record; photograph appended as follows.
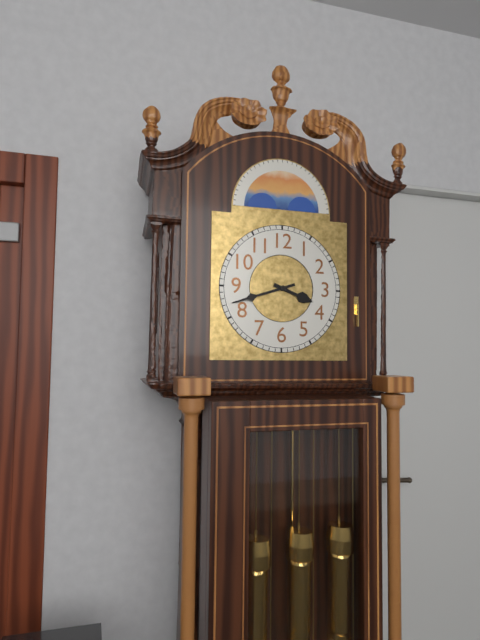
3:42
